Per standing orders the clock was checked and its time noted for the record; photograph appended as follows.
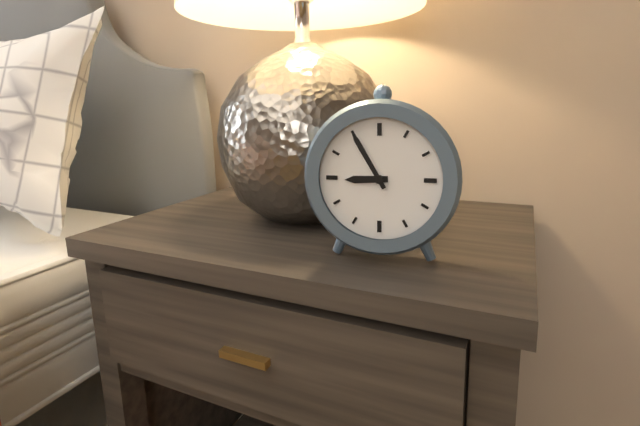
8:55
